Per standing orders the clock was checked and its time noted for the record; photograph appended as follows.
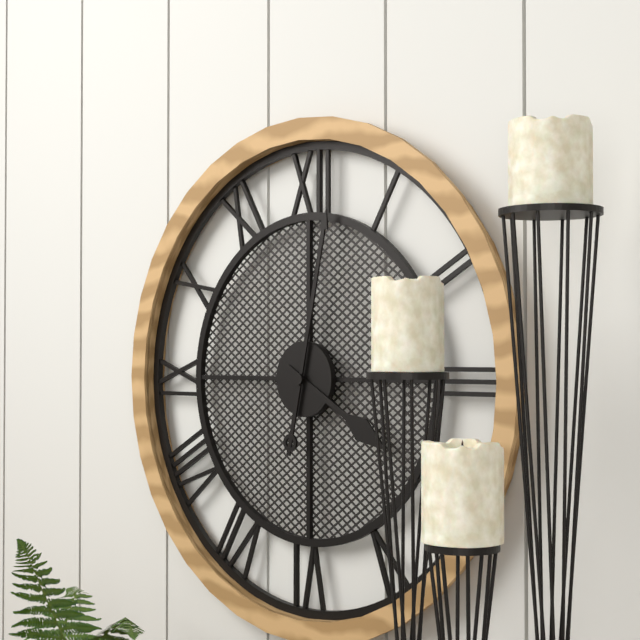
4:02
